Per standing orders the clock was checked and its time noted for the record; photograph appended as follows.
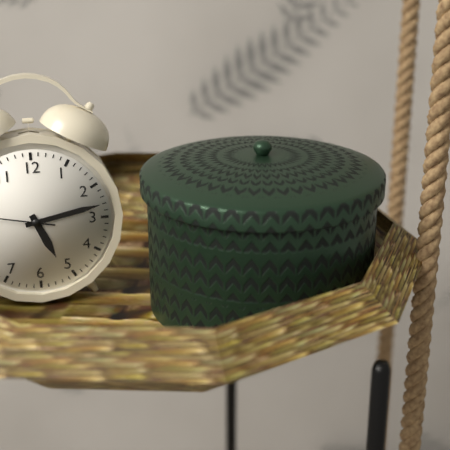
5:13
